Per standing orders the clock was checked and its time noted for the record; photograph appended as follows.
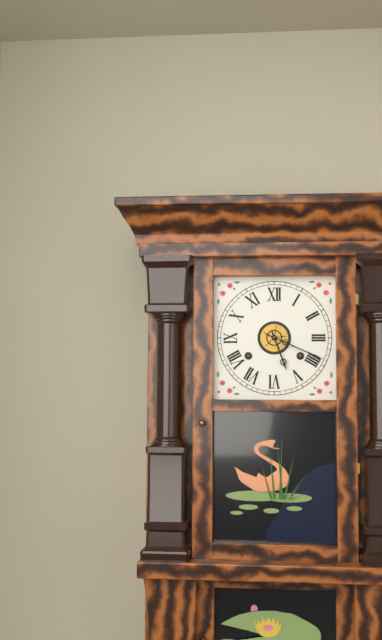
5:19
